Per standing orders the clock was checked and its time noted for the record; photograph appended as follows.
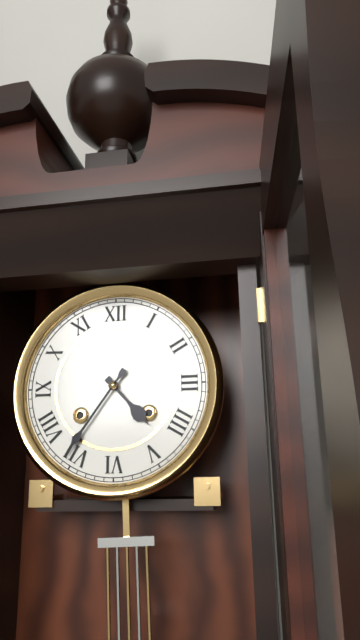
4:36
